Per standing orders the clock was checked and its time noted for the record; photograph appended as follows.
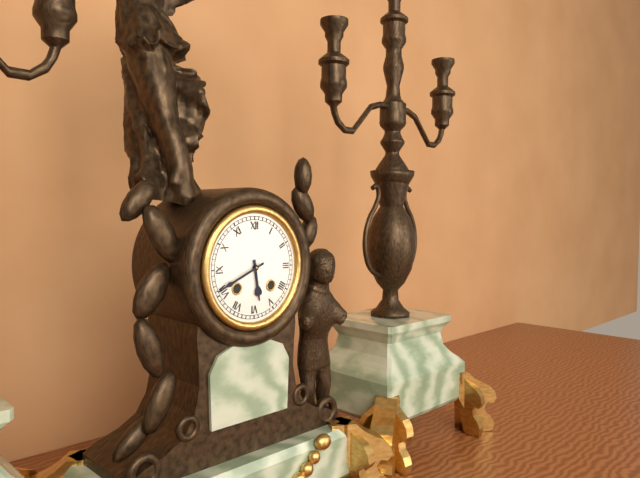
5:41
